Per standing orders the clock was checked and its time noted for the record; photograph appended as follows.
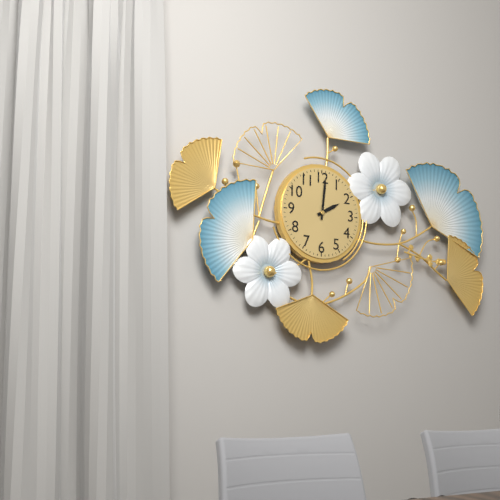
2:01
